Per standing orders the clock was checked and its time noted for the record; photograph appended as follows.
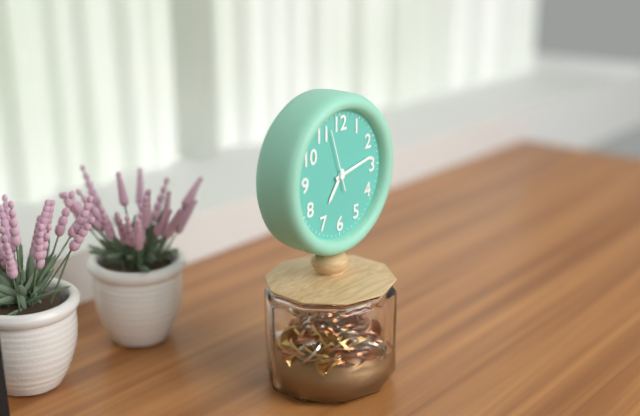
7:13:57
